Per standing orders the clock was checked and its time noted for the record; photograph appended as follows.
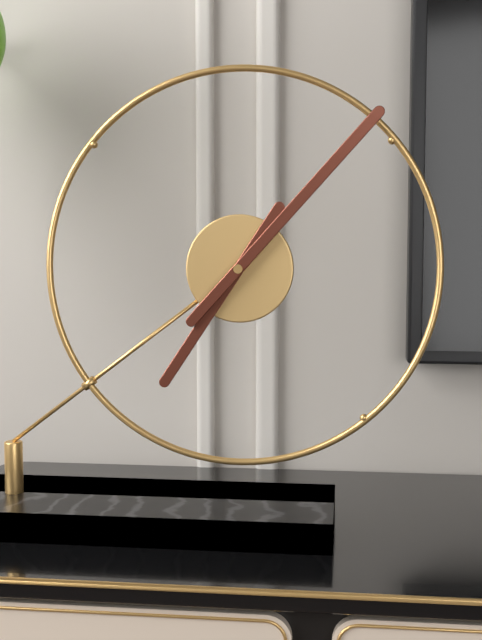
7:07
